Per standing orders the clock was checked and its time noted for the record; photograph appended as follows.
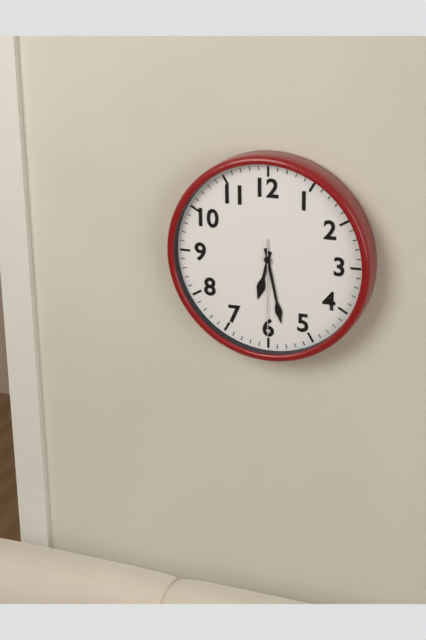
6:28:30
